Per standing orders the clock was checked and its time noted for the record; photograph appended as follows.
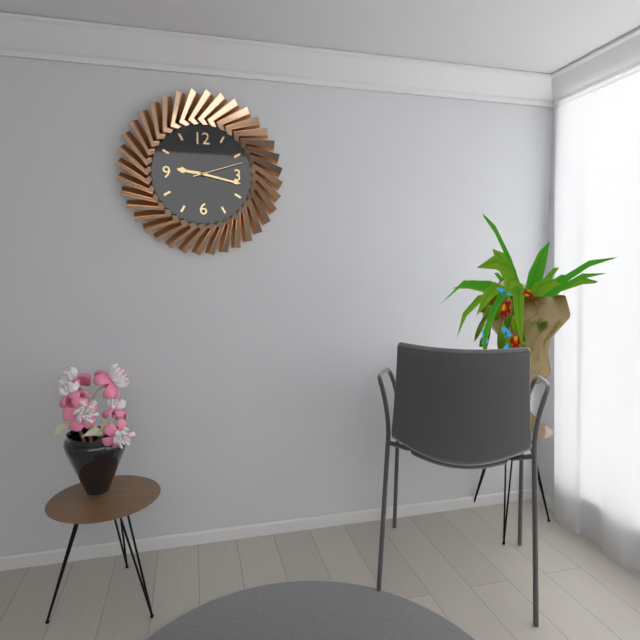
9:17:12
